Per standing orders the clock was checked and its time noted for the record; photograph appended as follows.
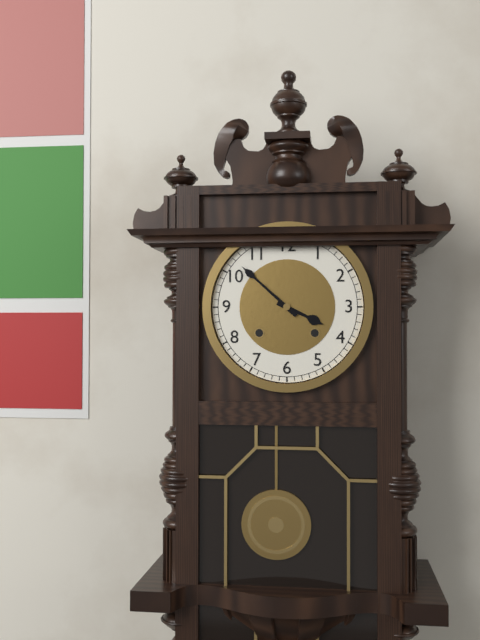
3:52
